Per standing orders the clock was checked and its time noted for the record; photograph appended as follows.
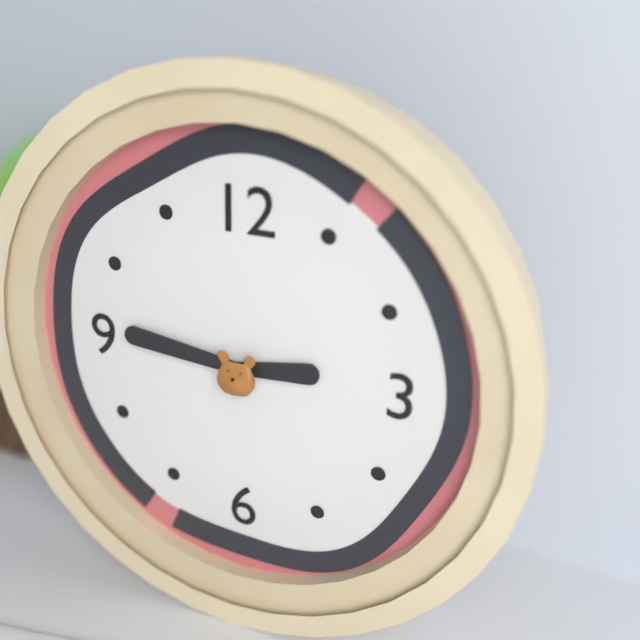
2:46
